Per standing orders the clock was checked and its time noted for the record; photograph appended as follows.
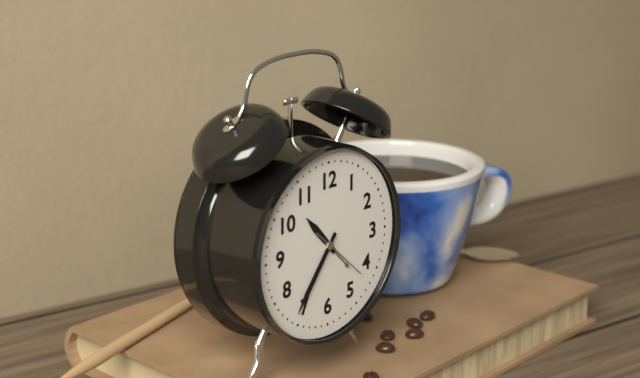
10:36:22
